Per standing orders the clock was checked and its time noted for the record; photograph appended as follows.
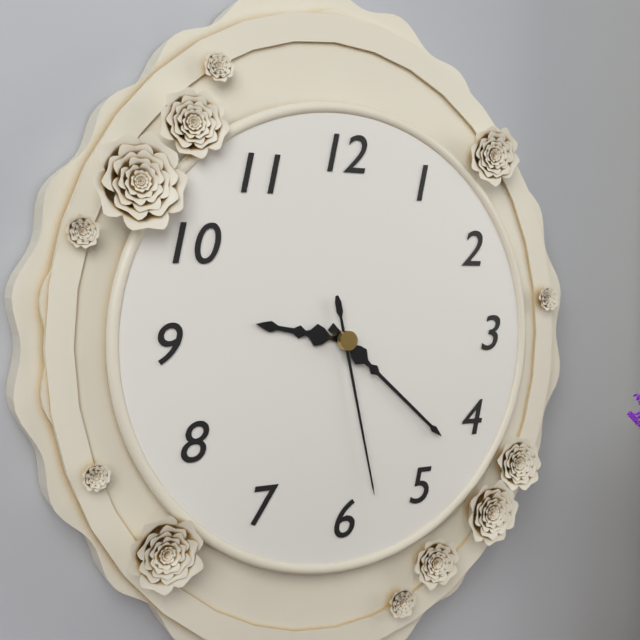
9:22:28
